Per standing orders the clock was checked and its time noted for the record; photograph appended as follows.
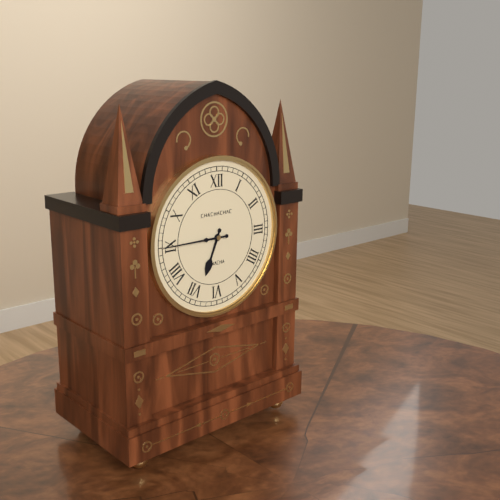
6:45
